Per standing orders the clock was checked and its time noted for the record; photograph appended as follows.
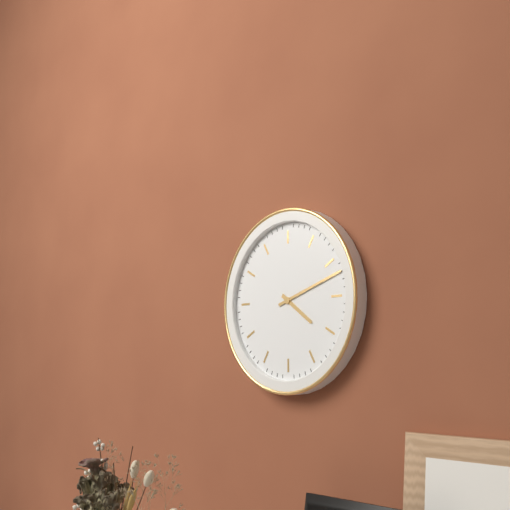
4:12
